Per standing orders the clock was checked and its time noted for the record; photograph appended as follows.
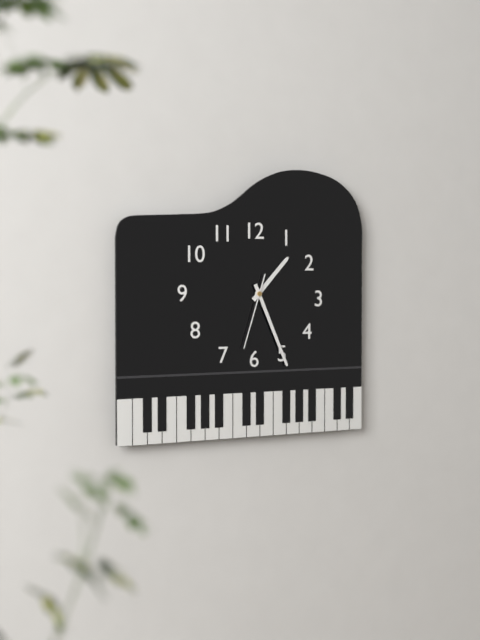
1:26:33
